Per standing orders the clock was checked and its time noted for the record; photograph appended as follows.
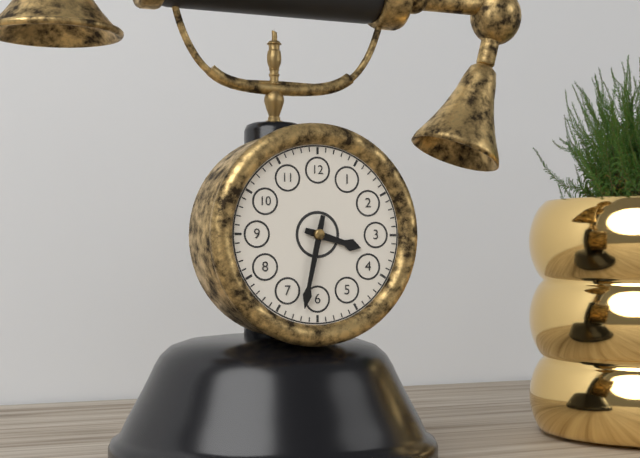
3:32
